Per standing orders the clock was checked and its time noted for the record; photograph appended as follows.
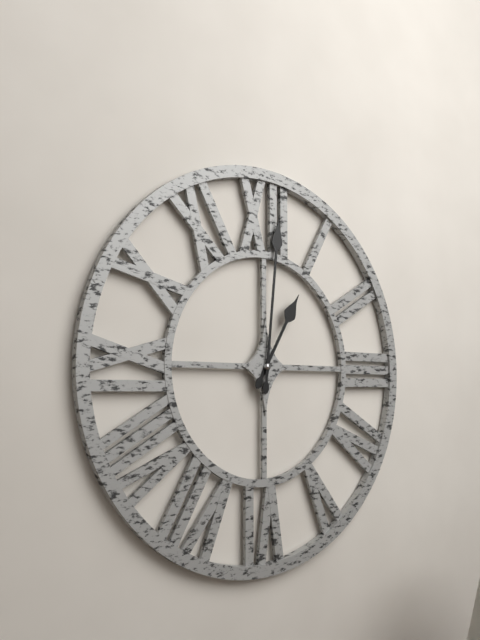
1:01
